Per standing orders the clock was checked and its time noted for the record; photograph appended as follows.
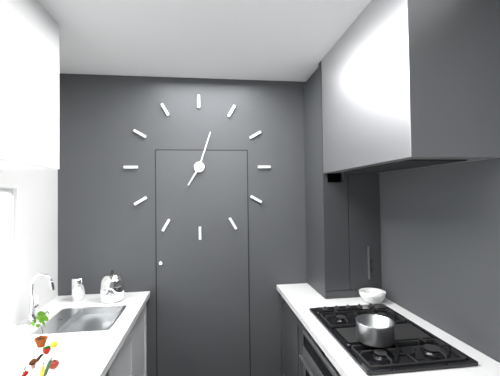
7:03
